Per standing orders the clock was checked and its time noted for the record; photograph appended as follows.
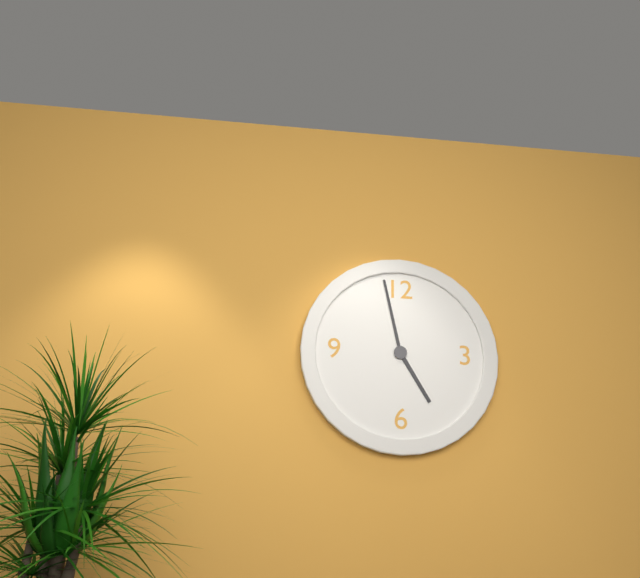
4:58
